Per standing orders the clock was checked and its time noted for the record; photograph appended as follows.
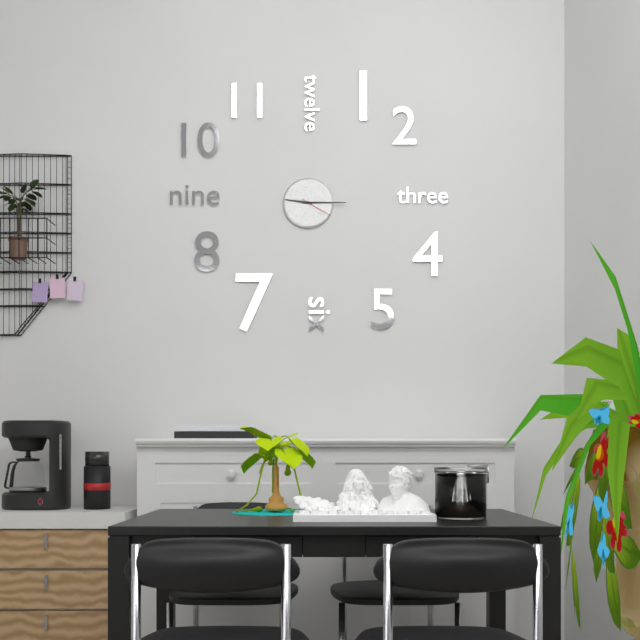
9:15
